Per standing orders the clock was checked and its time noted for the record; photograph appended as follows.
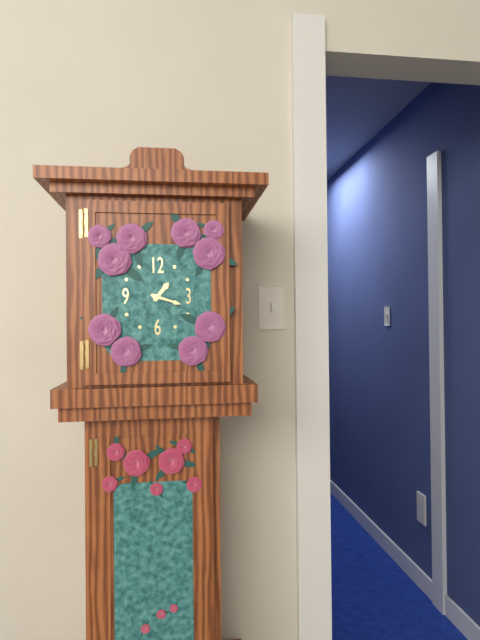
1:18
